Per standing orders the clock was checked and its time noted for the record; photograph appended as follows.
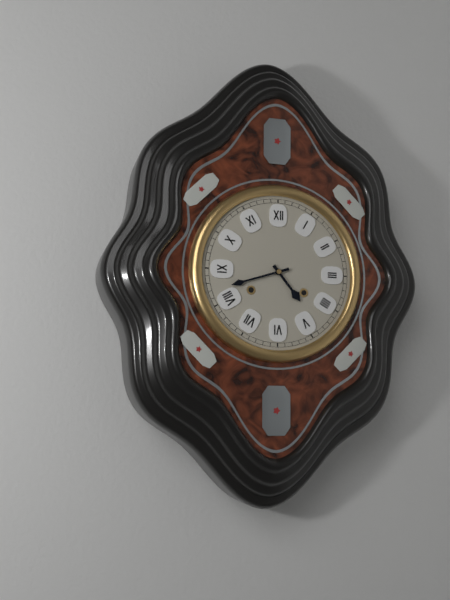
4:42
